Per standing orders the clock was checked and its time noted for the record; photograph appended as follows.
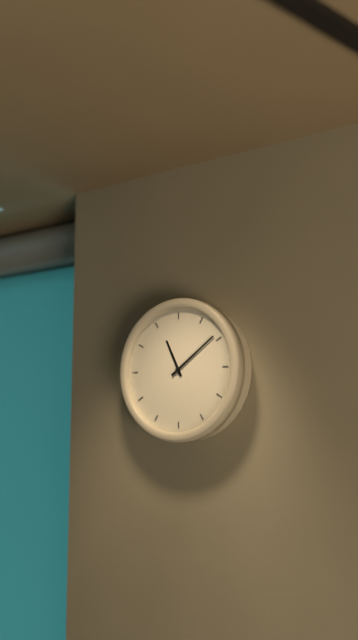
11:09
